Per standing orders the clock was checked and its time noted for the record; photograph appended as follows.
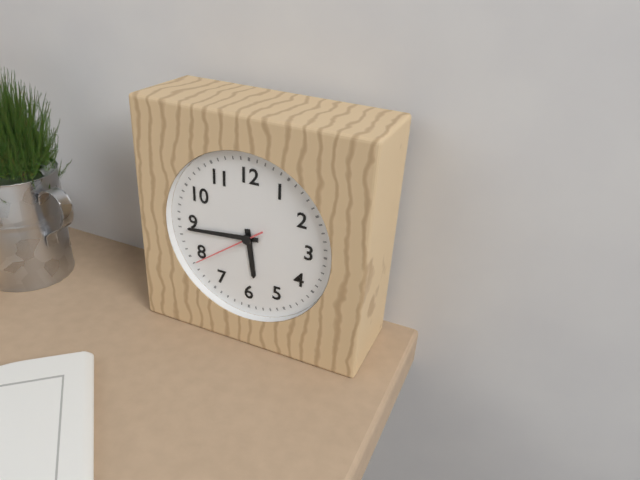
5:44:39
